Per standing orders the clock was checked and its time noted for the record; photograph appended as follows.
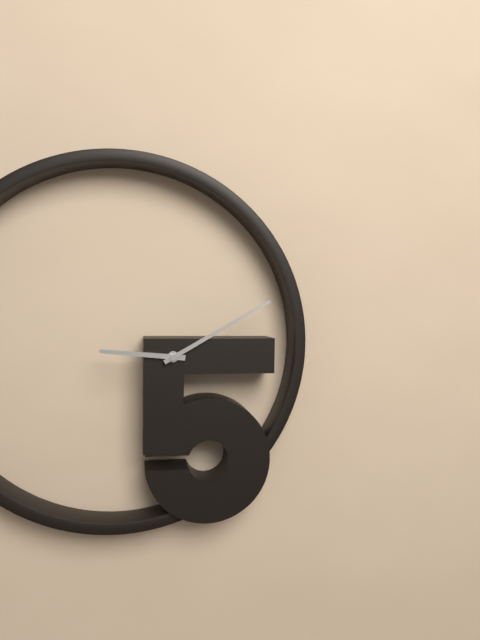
9:10
